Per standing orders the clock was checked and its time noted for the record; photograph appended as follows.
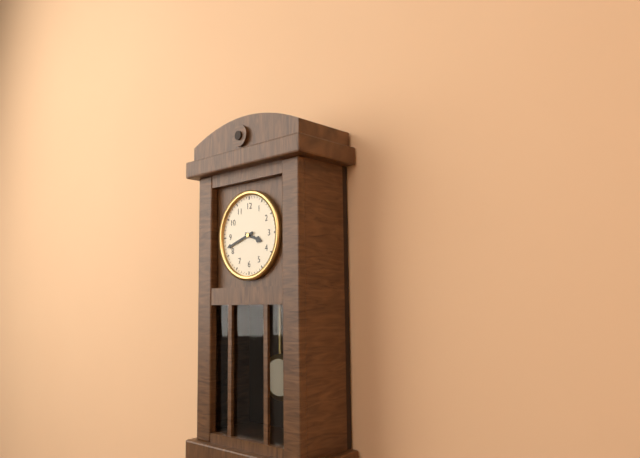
3:42
